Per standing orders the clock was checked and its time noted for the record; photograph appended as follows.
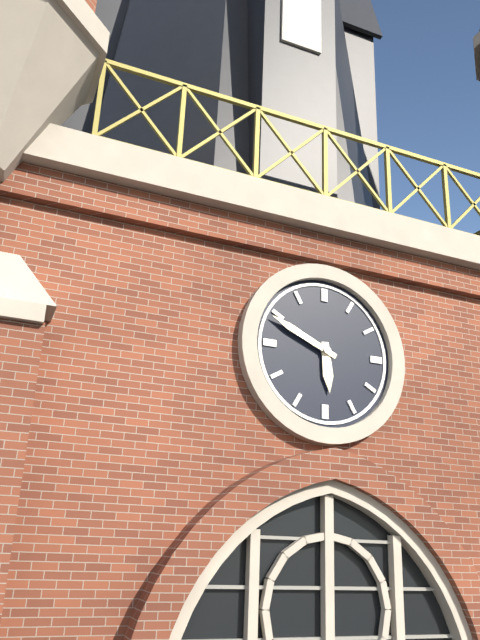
5:49
